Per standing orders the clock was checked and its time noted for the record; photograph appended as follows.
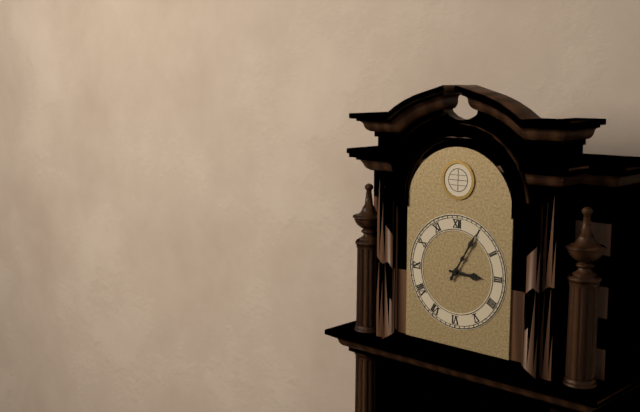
3:05
